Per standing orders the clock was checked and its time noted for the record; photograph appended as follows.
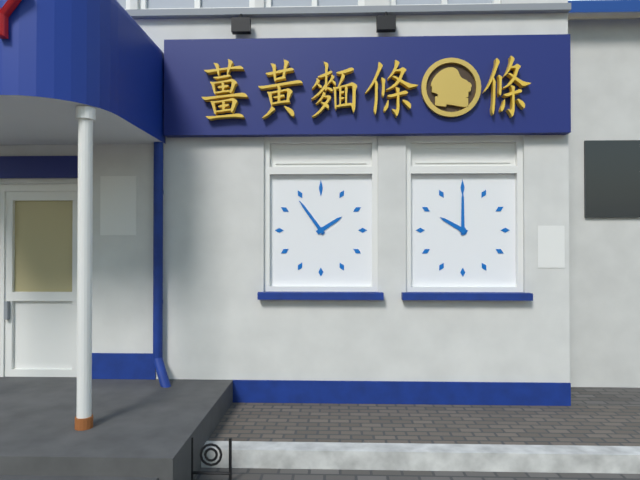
1:54
